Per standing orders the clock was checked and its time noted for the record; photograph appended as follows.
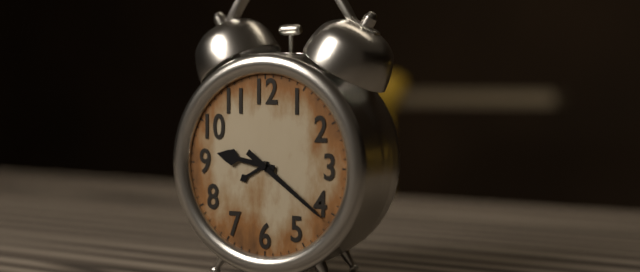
9:21
